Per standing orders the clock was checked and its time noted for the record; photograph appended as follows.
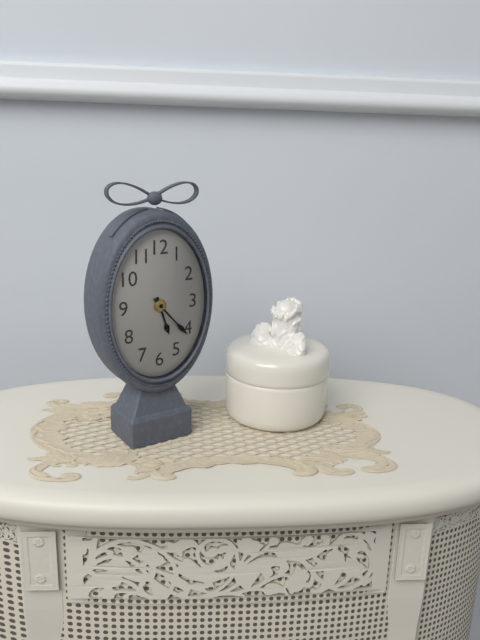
5:23
